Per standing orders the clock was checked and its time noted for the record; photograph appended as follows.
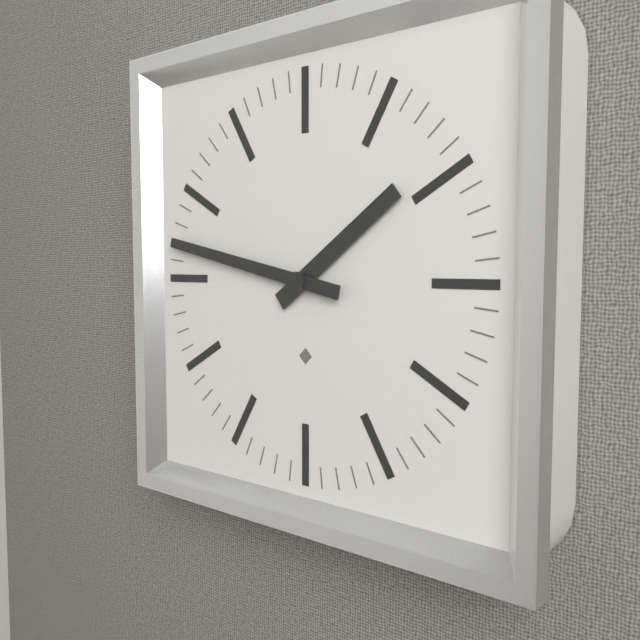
1:47
